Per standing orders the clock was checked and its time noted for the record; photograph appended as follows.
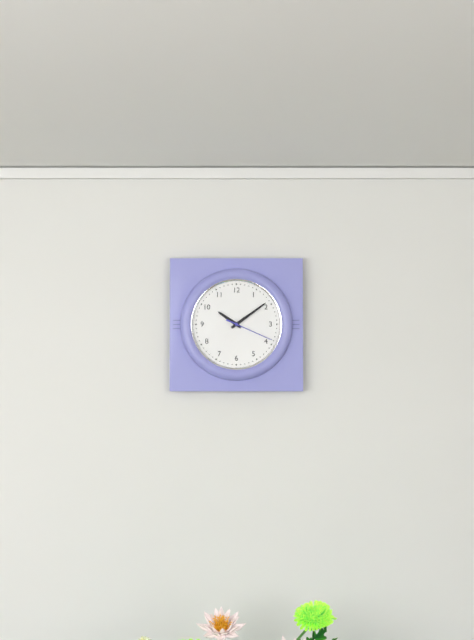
10:09
